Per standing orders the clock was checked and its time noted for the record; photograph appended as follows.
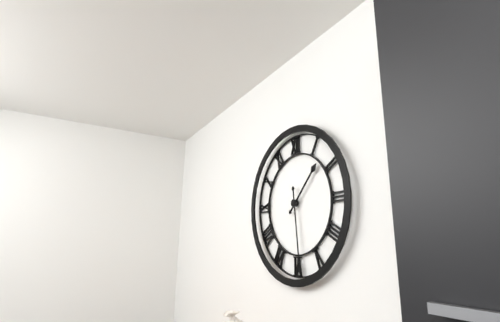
1:29
